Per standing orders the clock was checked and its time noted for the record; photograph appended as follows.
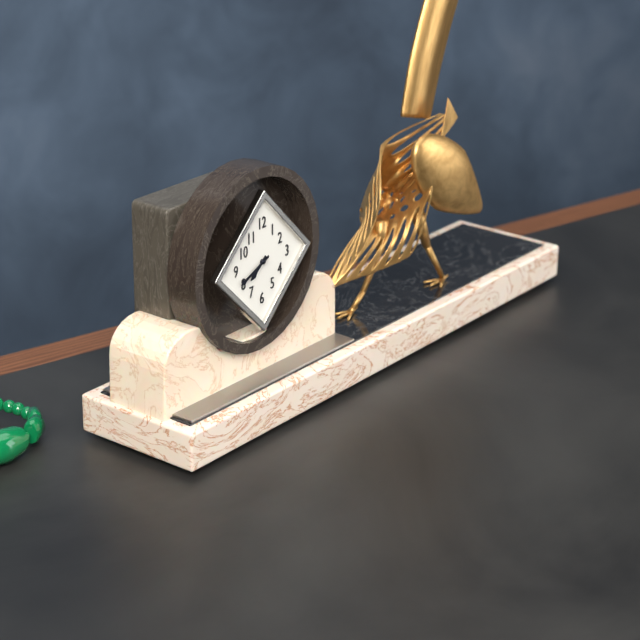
7:41
